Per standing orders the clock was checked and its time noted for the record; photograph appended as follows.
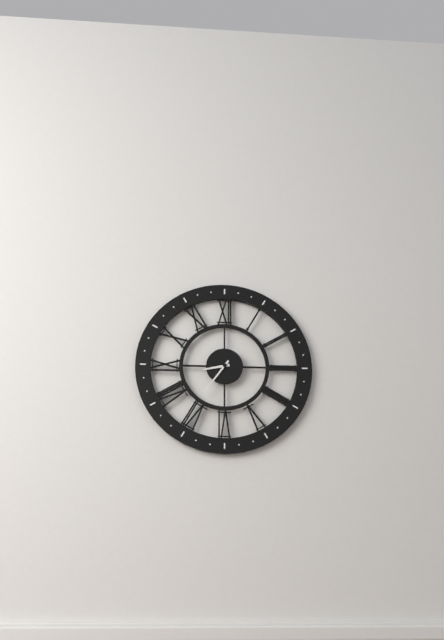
8:36
